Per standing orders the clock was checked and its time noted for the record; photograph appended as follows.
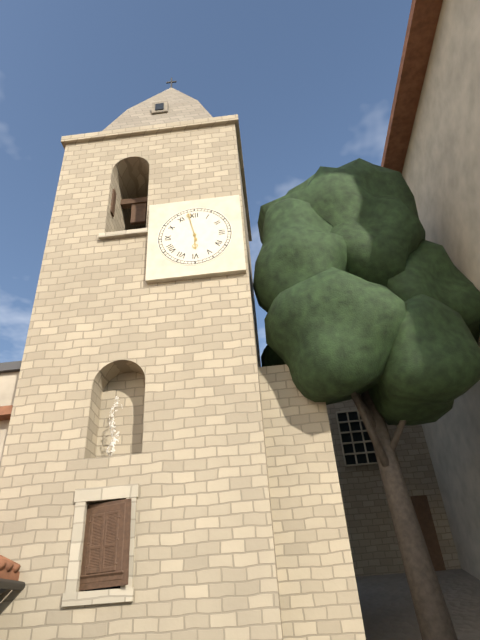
5:58
